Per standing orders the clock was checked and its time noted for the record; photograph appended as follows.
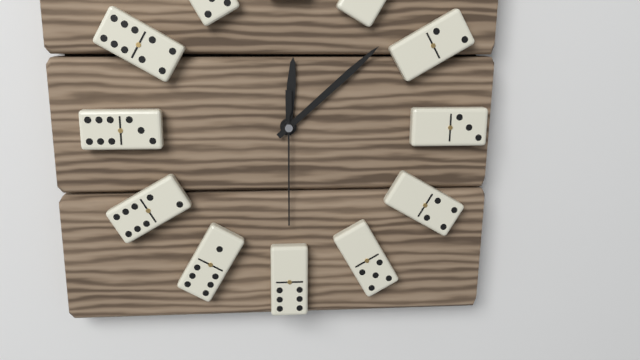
12:08:30
